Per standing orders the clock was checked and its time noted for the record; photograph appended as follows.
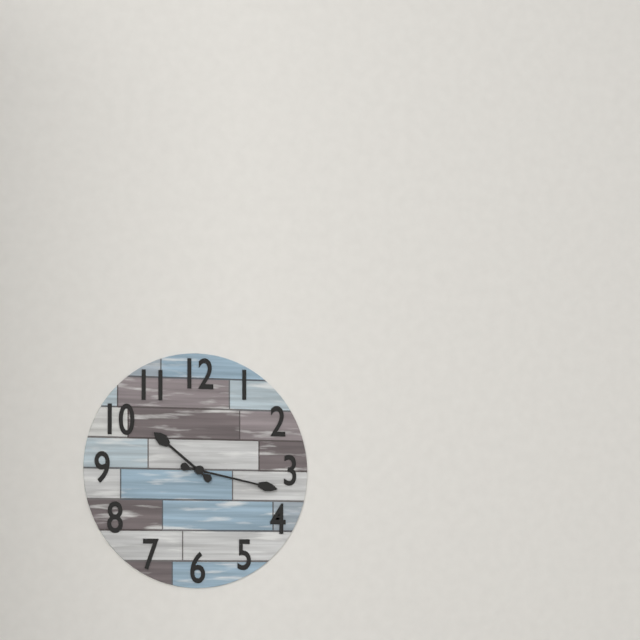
10:17
